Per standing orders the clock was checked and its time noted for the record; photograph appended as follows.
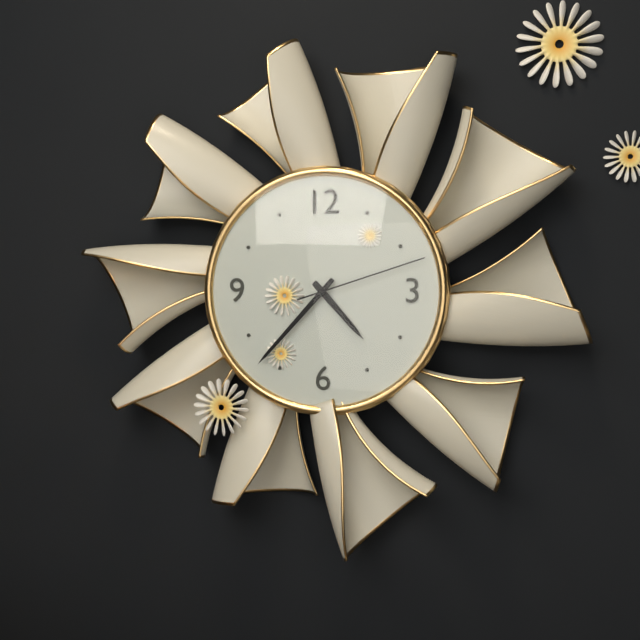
4:37:12
